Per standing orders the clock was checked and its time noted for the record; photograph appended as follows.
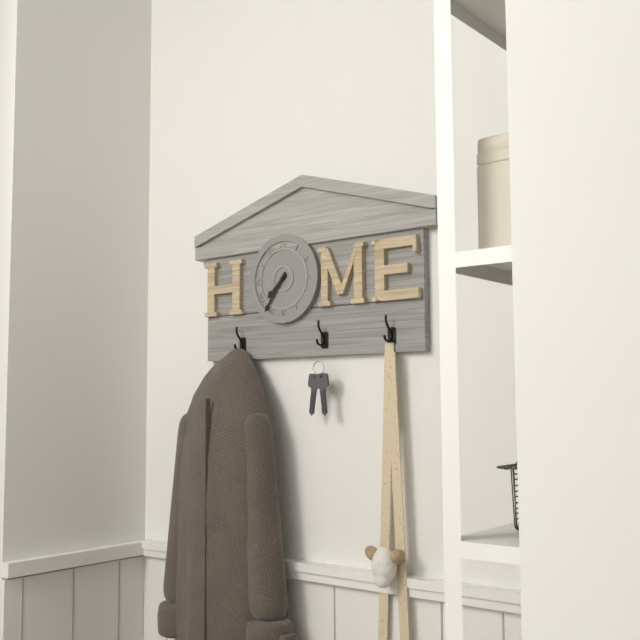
7:36
